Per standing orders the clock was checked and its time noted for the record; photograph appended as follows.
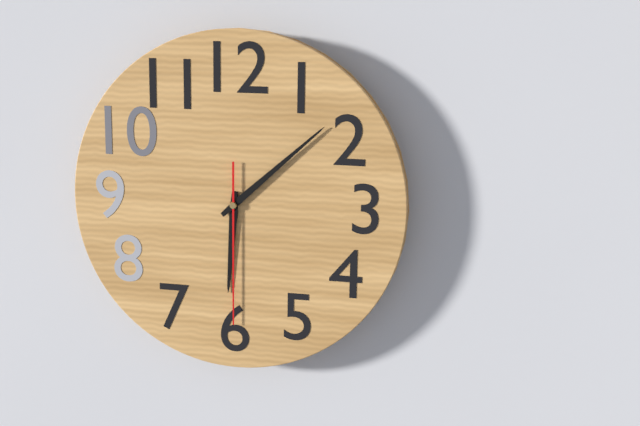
6:08:30
